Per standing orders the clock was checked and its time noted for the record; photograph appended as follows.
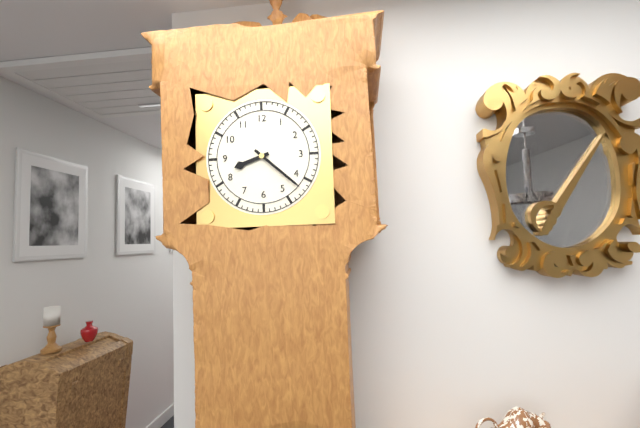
8:22
